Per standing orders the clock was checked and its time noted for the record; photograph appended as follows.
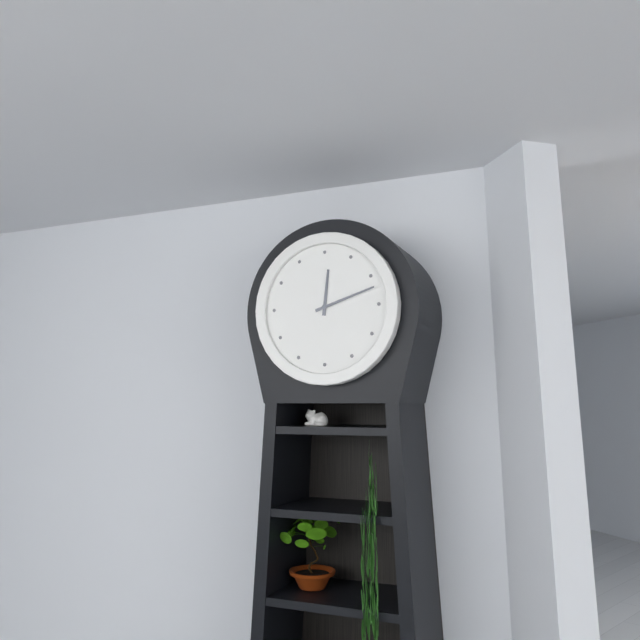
12:12
